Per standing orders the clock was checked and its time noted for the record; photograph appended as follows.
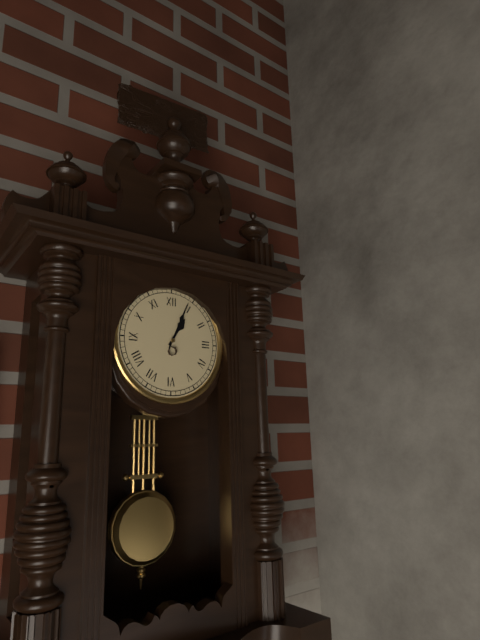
1:04
